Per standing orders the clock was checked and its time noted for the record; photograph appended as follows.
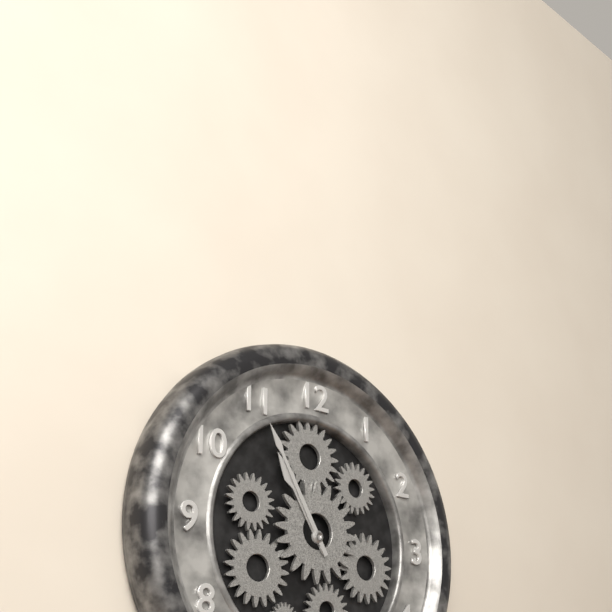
10:55
